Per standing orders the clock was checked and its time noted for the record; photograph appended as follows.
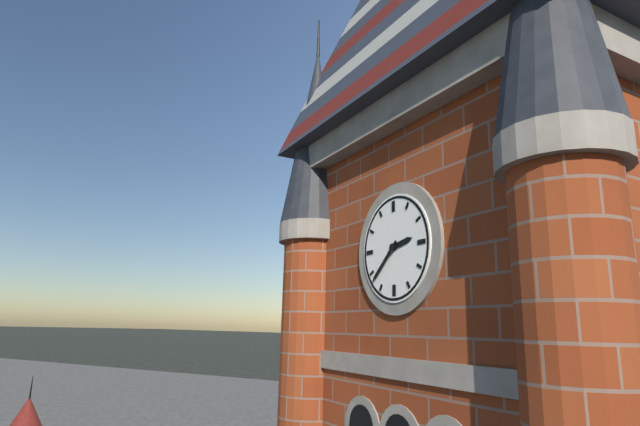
2:38
